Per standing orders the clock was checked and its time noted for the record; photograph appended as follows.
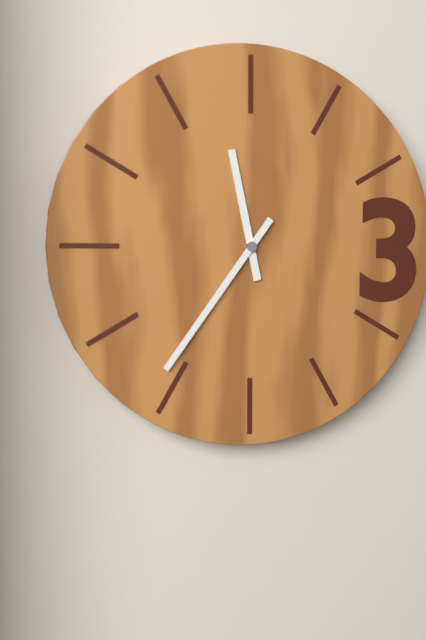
11:36
